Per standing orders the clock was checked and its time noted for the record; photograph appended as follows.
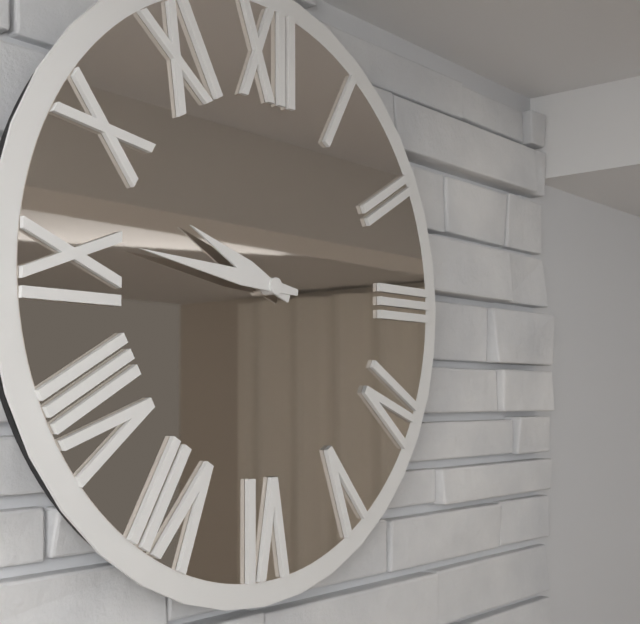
9:46
